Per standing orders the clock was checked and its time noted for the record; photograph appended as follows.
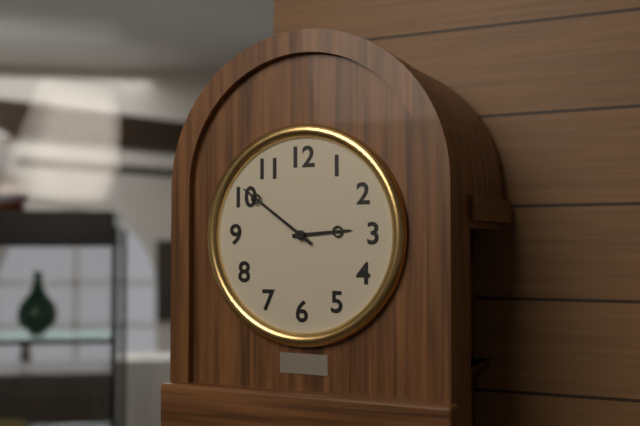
2:51
